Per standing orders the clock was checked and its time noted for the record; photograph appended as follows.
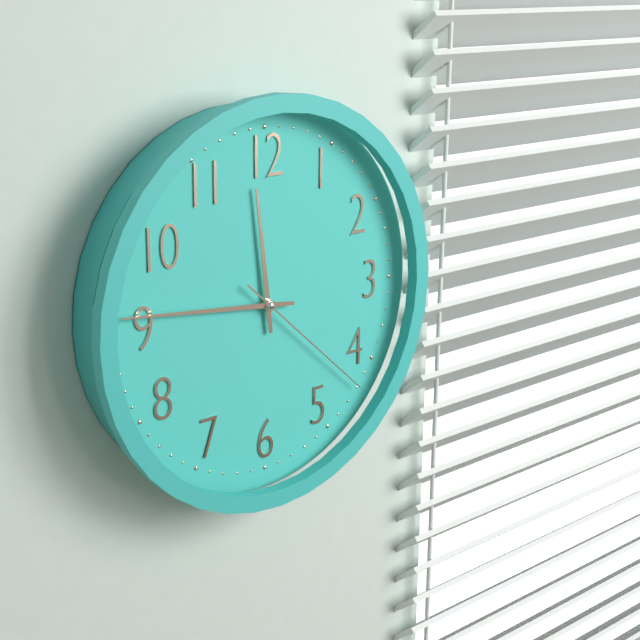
11:46:22
